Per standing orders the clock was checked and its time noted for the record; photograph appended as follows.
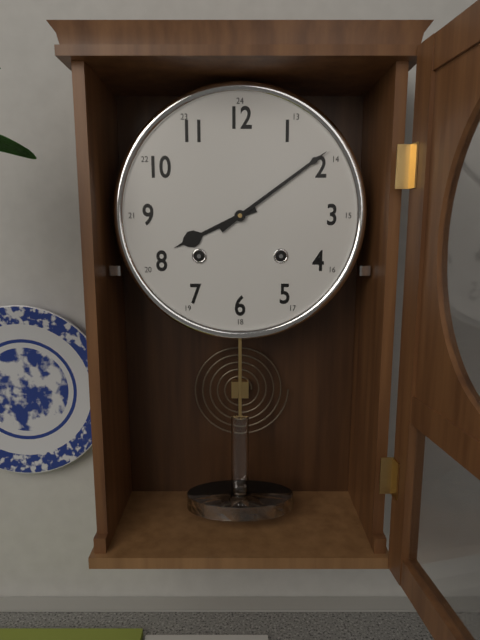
8:09
